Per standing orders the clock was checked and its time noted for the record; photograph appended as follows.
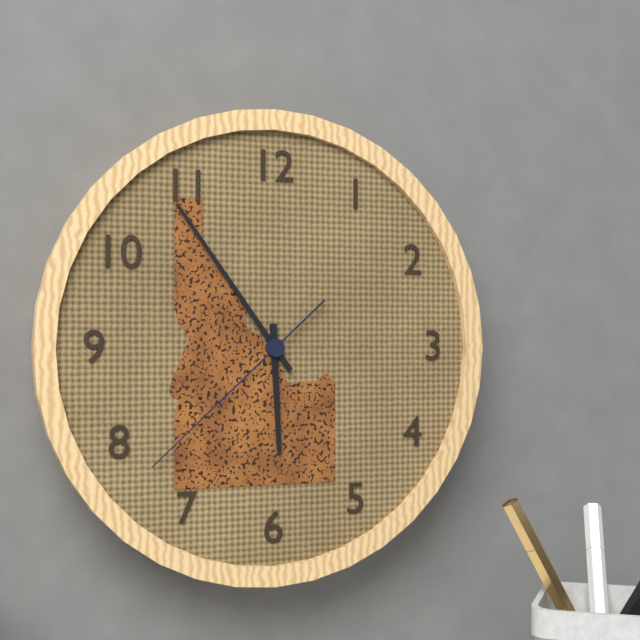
5:54:38
